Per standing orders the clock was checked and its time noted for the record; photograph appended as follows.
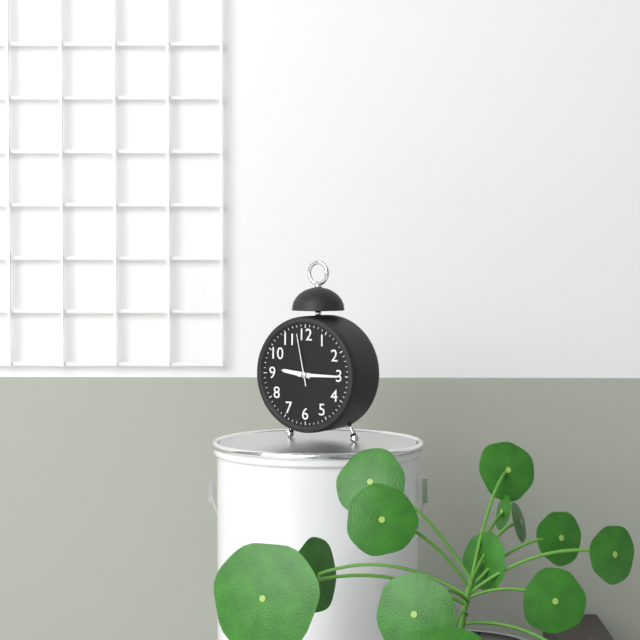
9:15:58
